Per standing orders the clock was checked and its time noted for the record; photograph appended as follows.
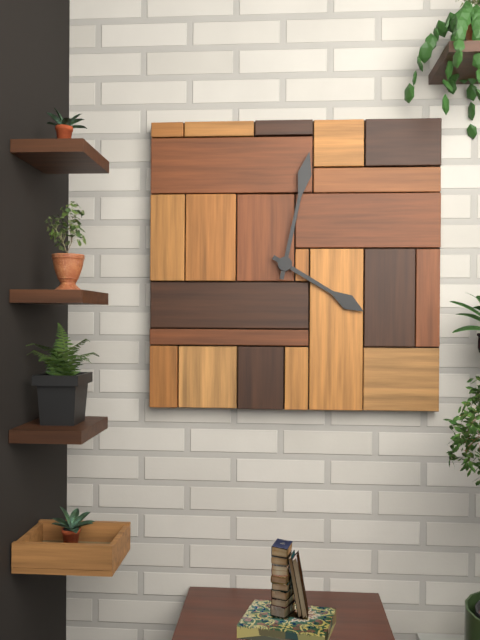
4:02
